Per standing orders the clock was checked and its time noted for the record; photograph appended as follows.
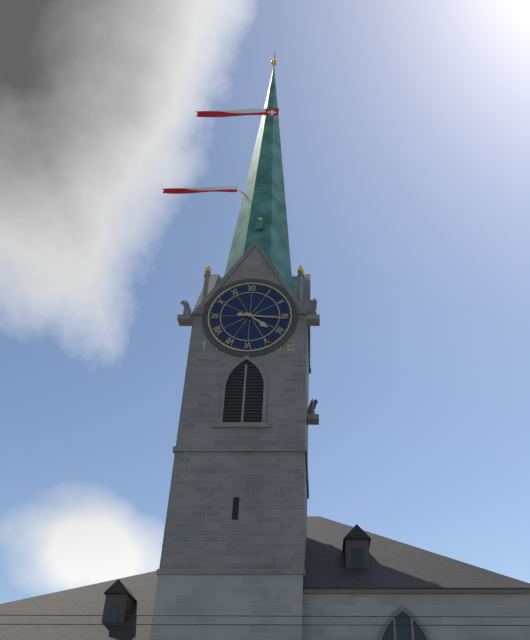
4:16
